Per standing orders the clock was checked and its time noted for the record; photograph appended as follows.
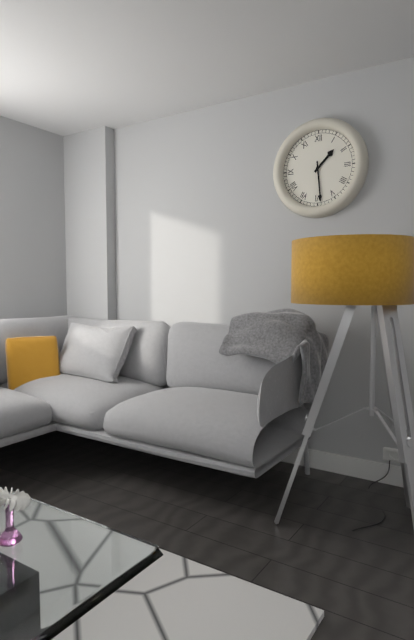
1:29
